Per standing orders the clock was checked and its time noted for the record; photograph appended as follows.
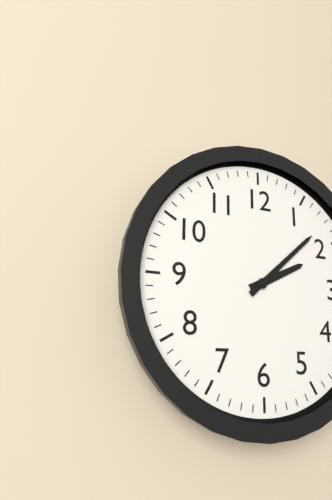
2:08
